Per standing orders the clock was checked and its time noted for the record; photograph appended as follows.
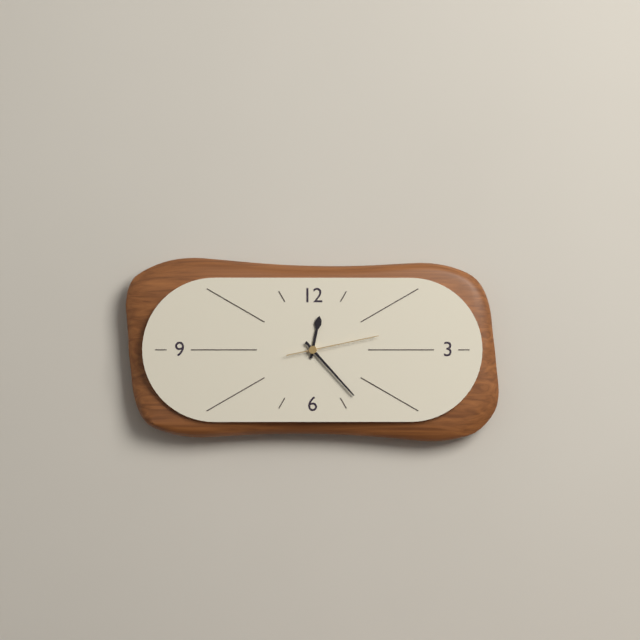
12:23:13
